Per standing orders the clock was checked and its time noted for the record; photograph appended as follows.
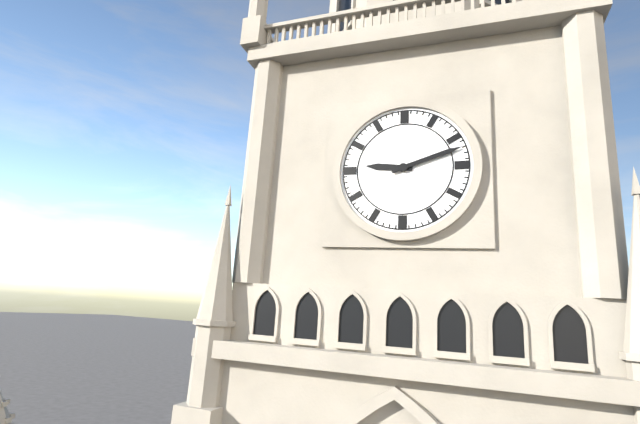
9:12
